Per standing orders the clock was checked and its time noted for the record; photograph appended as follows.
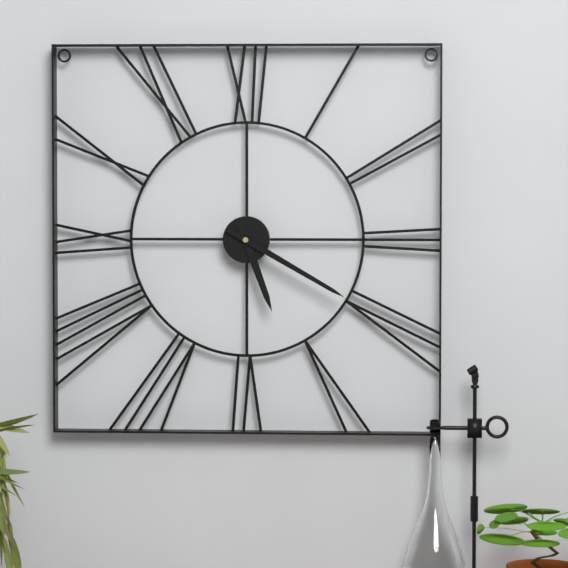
5:20
